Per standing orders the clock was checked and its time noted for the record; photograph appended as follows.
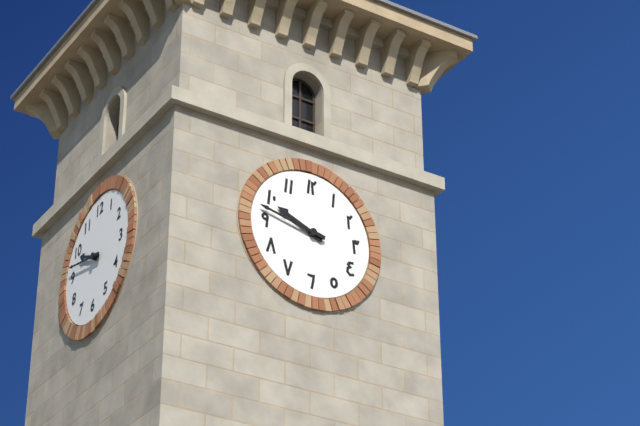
9:47
